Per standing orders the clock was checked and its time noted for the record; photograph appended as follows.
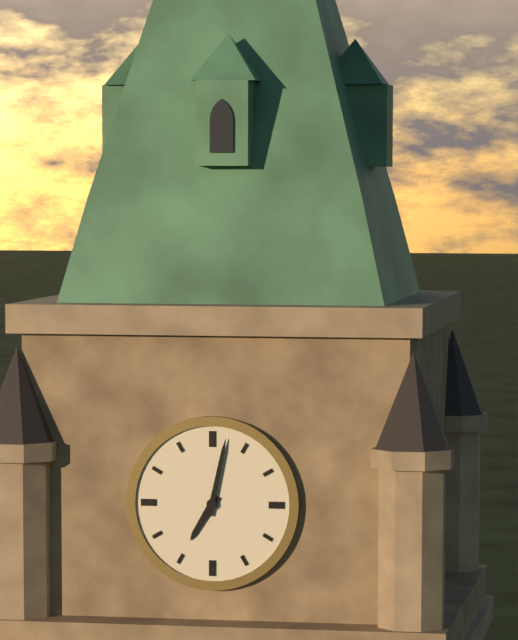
7:02
